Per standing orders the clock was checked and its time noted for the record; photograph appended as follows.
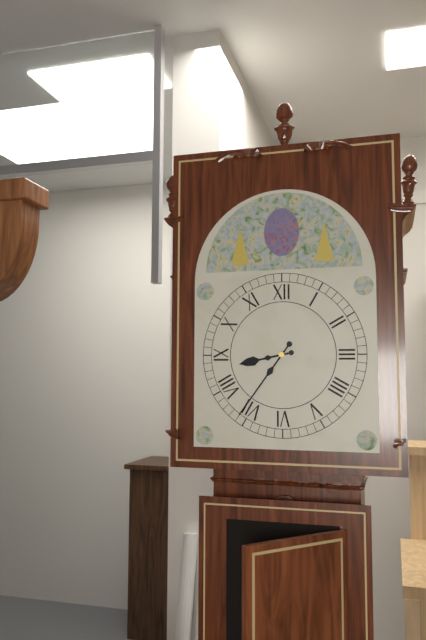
8:36
